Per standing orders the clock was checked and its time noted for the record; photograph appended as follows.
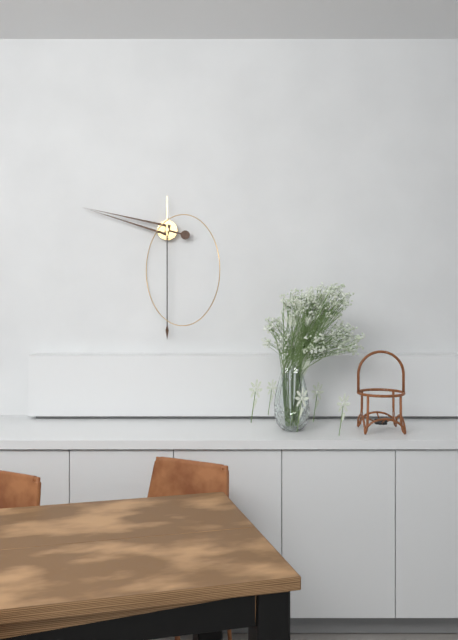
9:30
